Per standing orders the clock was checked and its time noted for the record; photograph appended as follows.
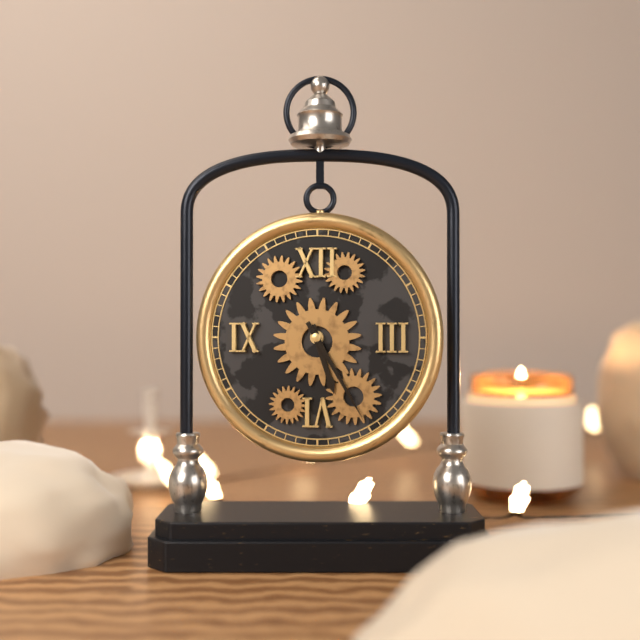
5:25
